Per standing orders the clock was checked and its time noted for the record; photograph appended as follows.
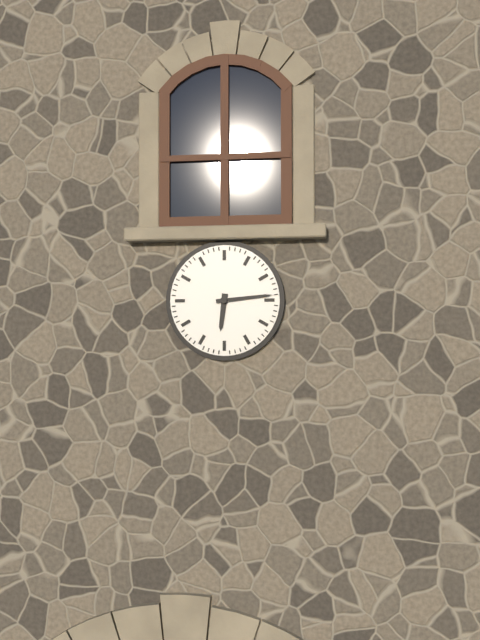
6:14
